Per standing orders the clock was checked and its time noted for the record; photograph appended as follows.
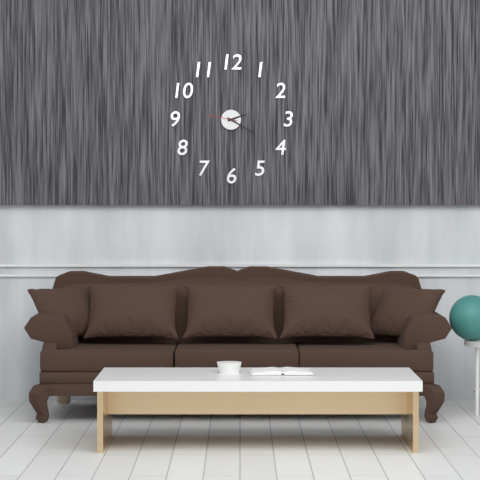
2:20
